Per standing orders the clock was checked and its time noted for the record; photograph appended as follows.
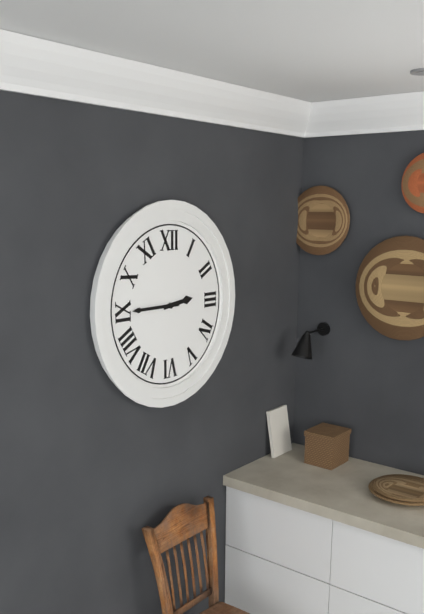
2:45
